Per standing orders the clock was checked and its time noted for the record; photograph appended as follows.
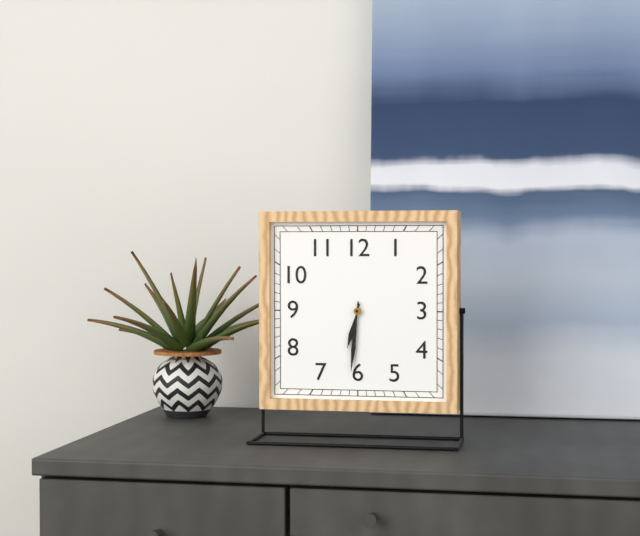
6:31
